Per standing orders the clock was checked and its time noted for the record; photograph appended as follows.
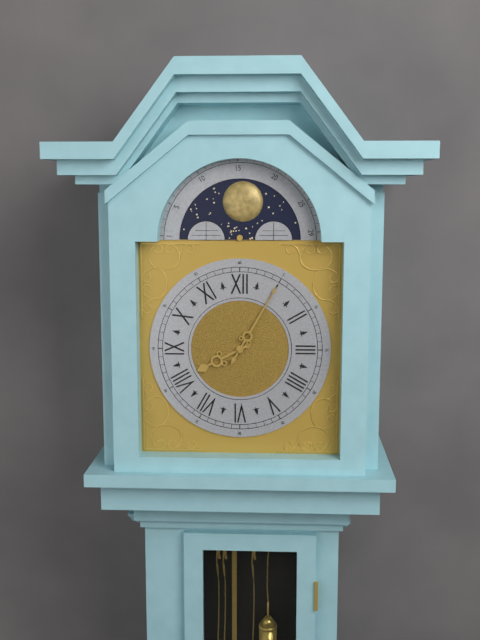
8:05
